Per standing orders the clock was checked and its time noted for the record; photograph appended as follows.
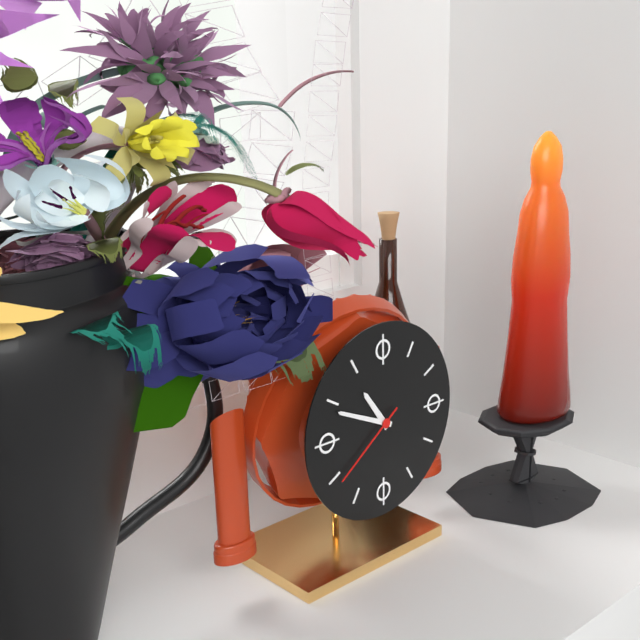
10:49:39
